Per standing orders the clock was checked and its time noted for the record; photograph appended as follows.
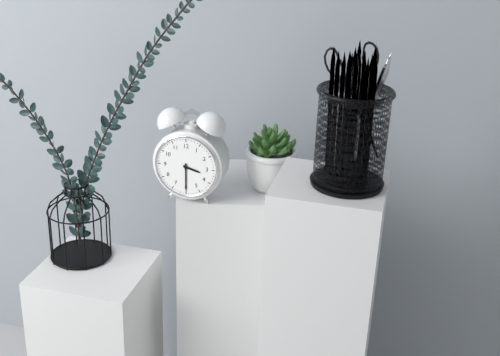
3:30
